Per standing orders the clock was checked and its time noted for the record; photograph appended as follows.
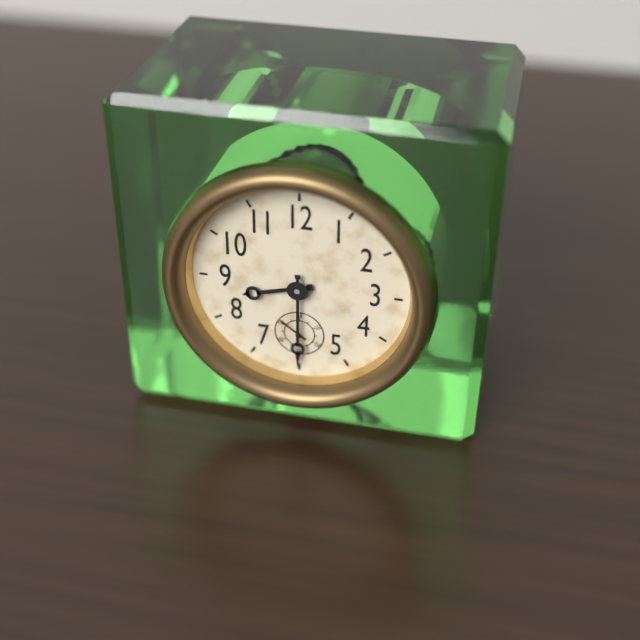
8:30
